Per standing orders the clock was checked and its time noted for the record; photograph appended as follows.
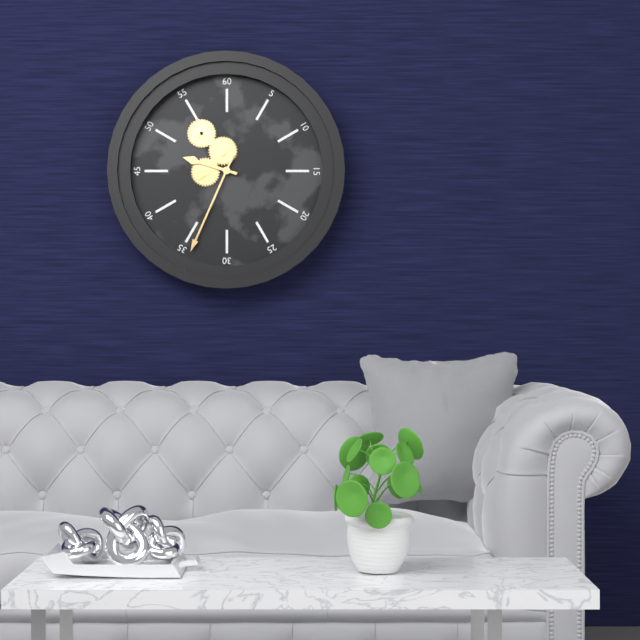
9:34
